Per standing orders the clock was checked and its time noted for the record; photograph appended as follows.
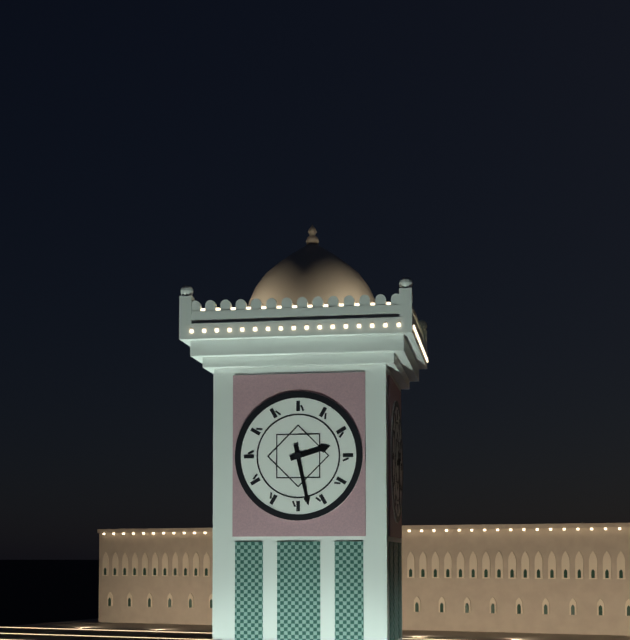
2:28
